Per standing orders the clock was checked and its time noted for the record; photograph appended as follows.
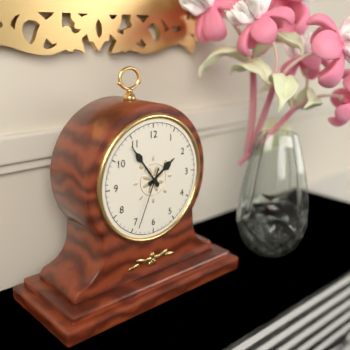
1:54:34
